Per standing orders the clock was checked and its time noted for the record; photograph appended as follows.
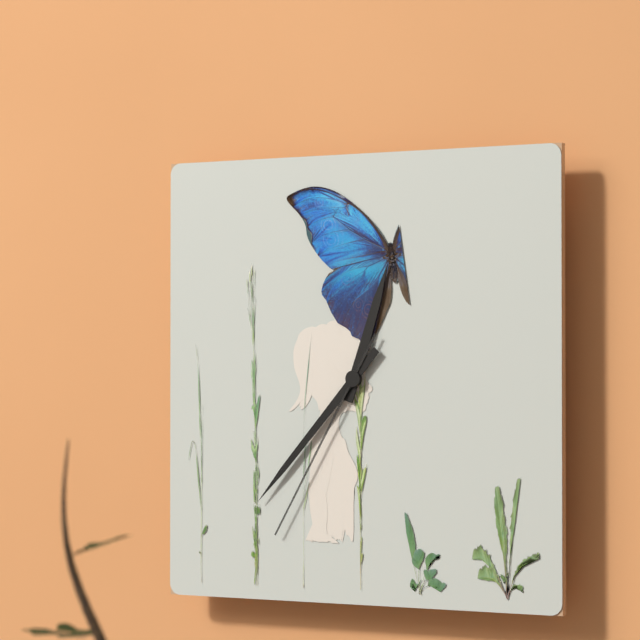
12:37:35
